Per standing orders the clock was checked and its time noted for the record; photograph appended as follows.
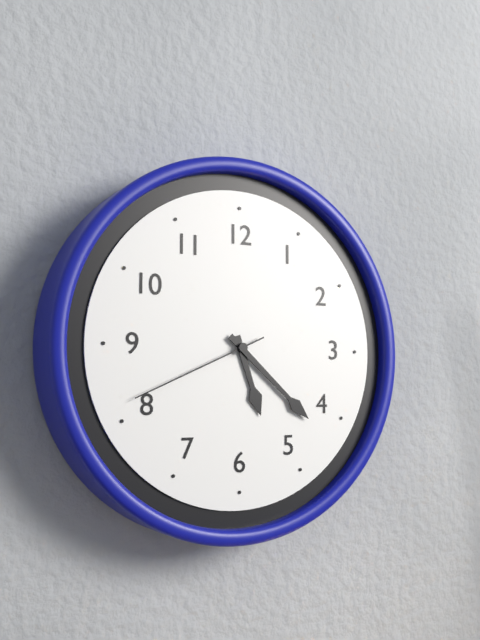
5:22:41
